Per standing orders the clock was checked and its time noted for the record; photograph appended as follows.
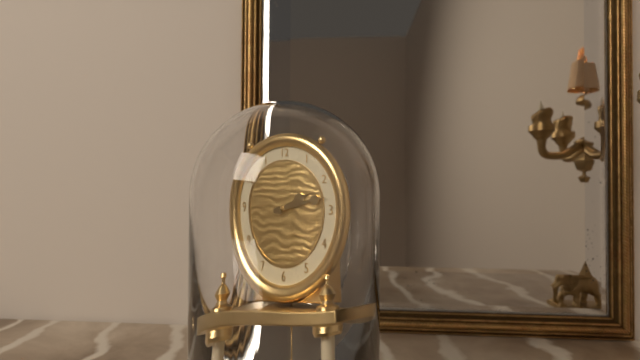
2:13
